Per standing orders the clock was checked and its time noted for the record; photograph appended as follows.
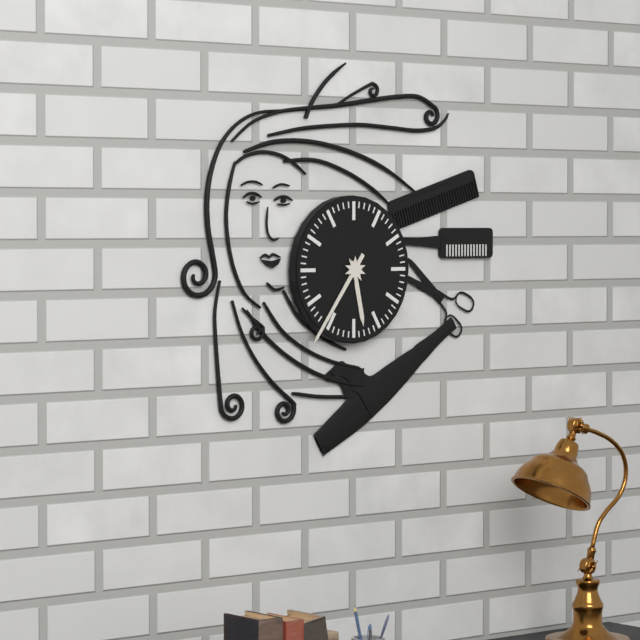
5:36
